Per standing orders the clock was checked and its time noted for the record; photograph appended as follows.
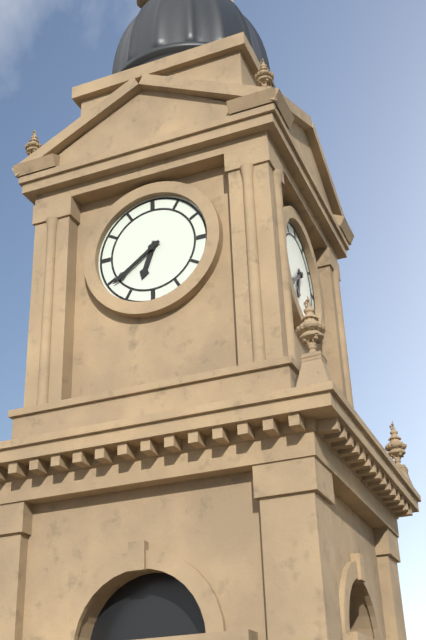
6:39
